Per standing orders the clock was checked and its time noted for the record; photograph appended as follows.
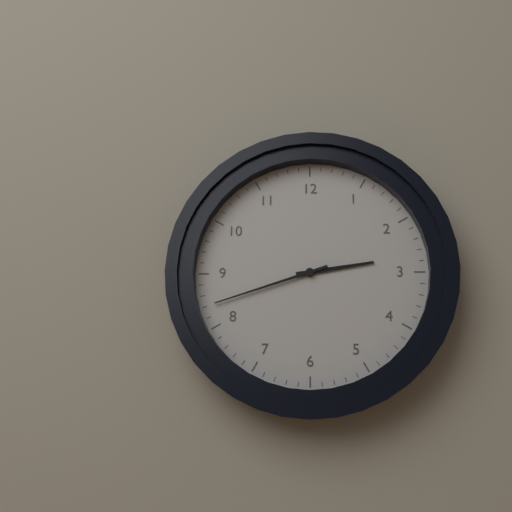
2:42
